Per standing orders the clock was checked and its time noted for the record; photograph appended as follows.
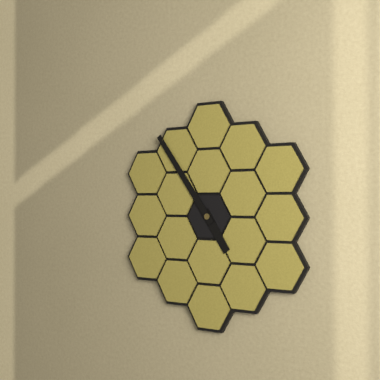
4:54
